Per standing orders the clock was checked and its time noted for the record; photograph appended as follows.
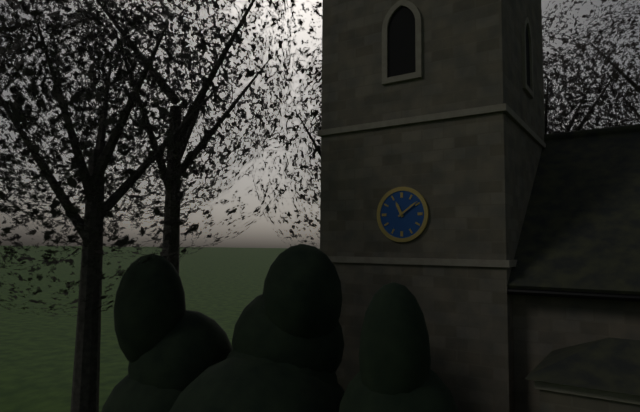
11:09
